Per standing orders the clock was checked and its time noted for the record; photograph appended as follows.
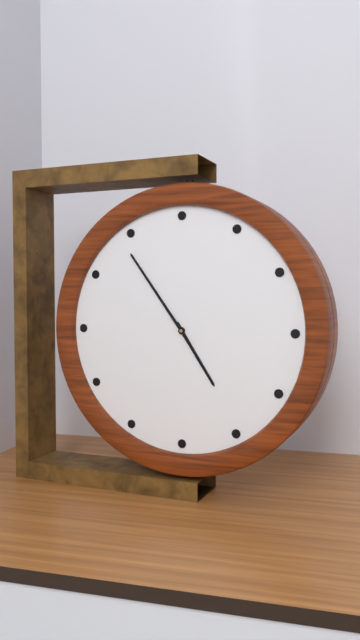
4:54
